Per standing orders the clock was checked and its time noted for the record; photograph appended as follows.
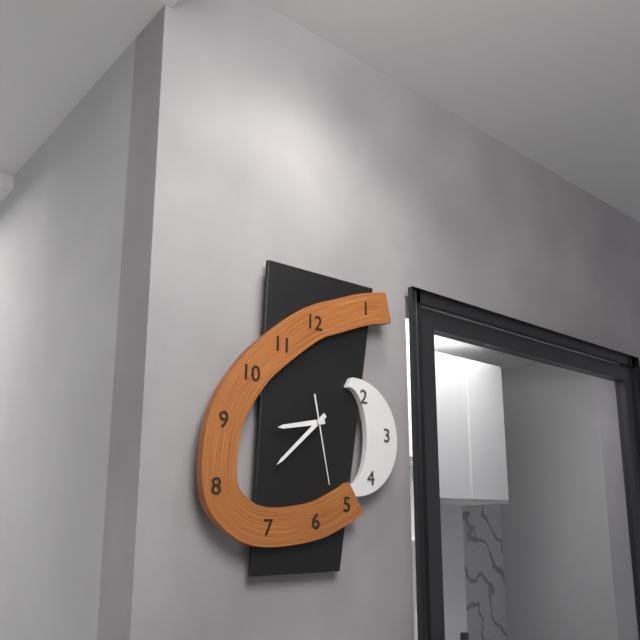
8:38:28
